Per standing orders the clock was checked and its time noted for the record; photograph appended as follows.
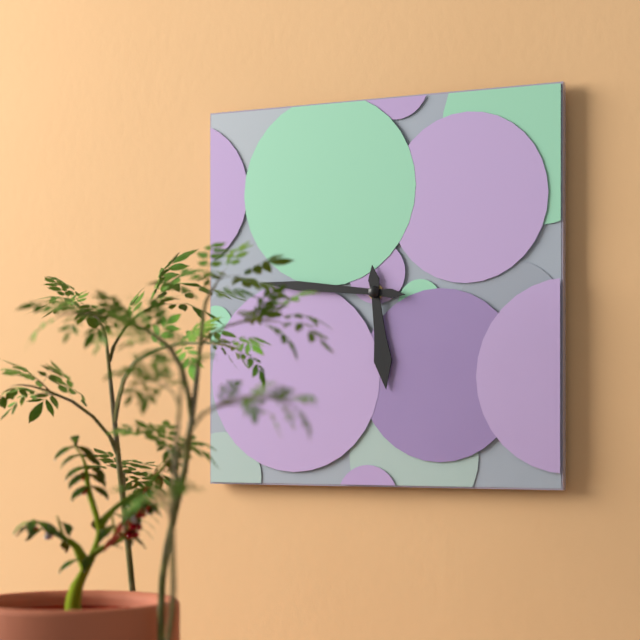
5:46
